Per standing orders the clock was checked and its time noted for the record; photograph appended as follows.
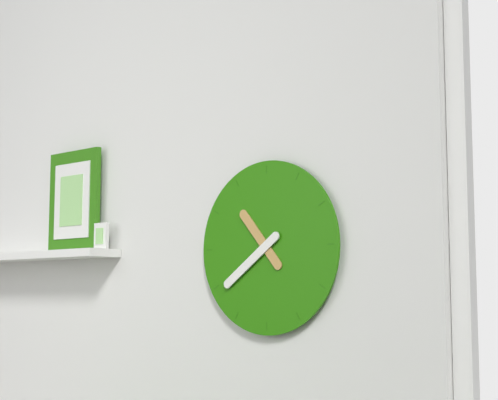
10:39
